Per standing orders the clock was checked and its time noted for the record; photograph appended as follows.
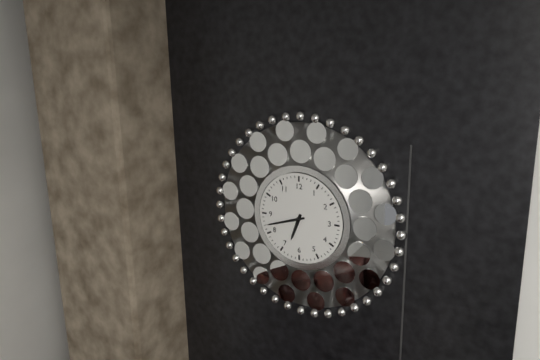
6:42
